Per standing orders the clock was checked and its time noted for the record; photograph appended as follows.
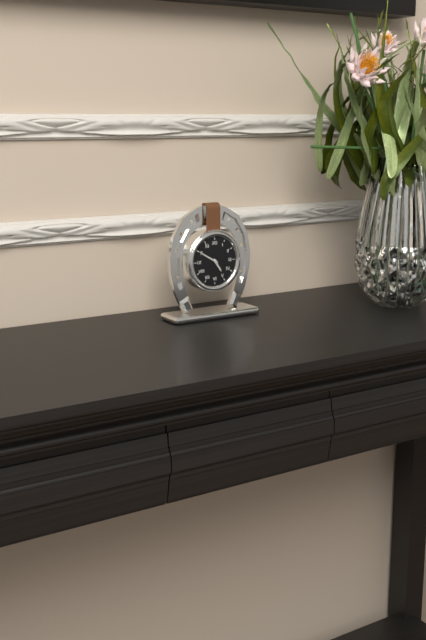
4:50
